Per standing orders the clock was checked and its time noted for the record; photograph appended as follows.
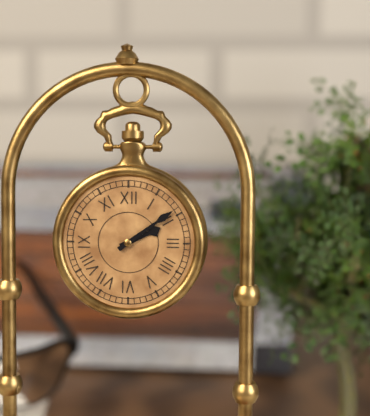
2:09
